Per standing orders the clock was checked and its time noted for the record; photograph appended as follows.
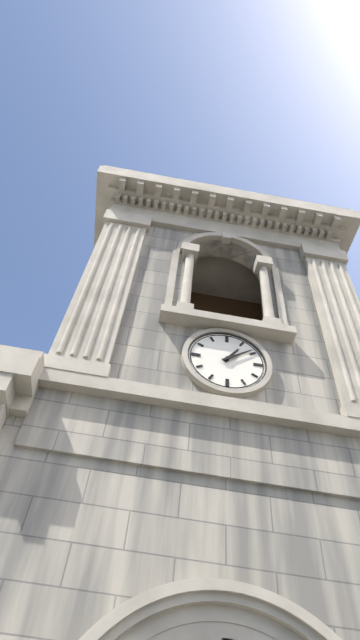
1:09
